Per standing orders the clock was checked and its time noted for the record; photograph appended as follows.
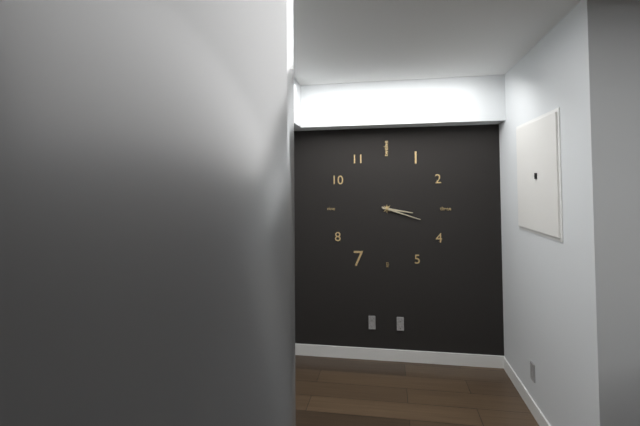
3:18
